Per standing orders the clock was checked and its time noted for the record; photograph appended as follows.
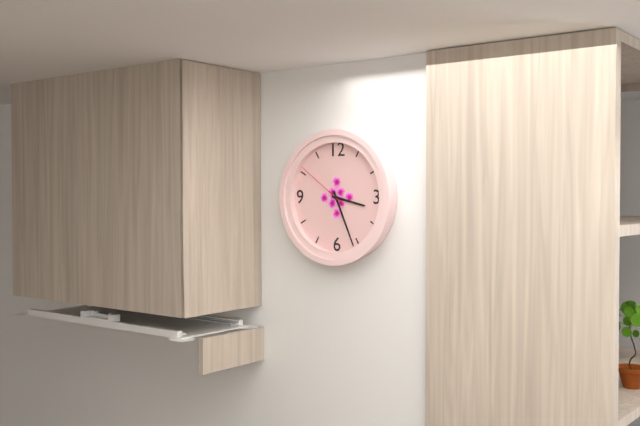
3:26:51
